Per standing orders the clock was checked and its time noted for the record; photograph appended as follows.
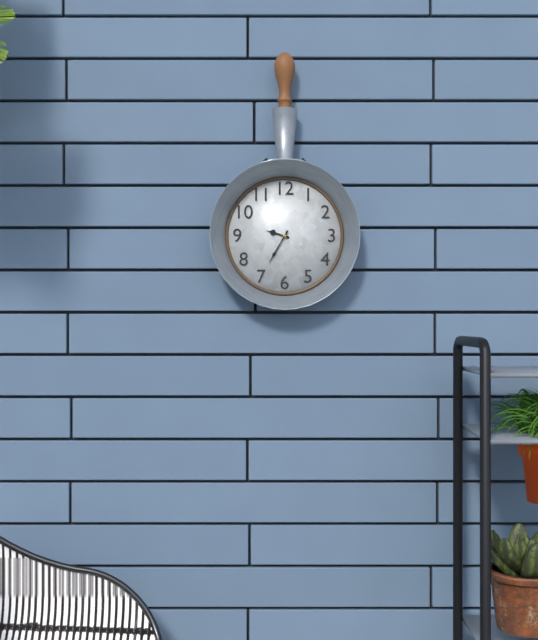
9:35
